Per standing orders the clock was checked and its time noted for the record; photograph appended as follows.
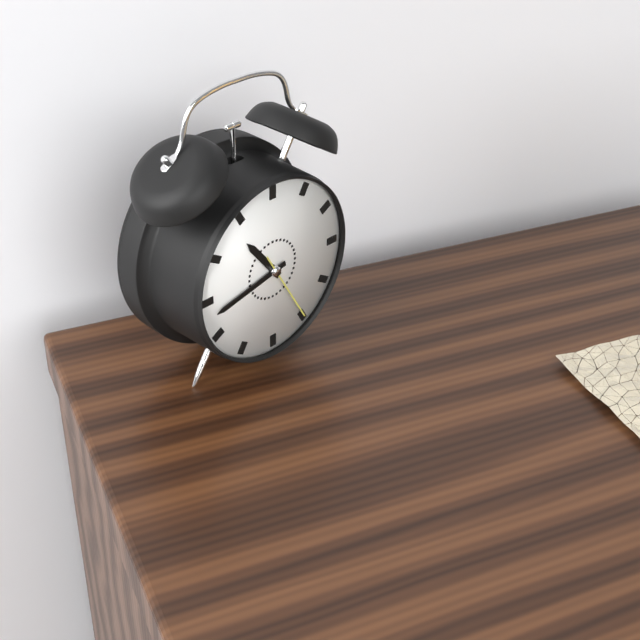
10:43:25
